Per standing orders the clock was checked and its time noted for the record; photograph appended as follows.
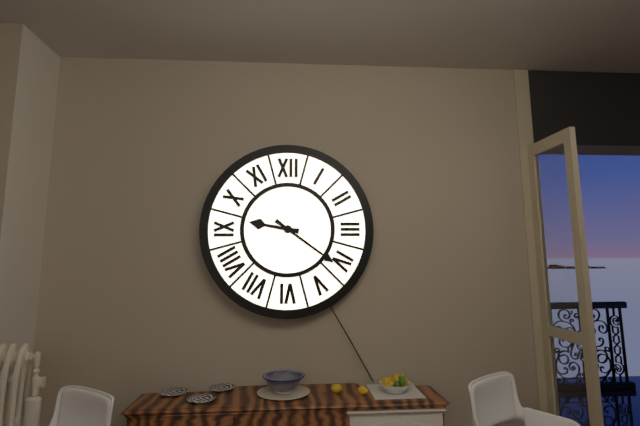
9:21
